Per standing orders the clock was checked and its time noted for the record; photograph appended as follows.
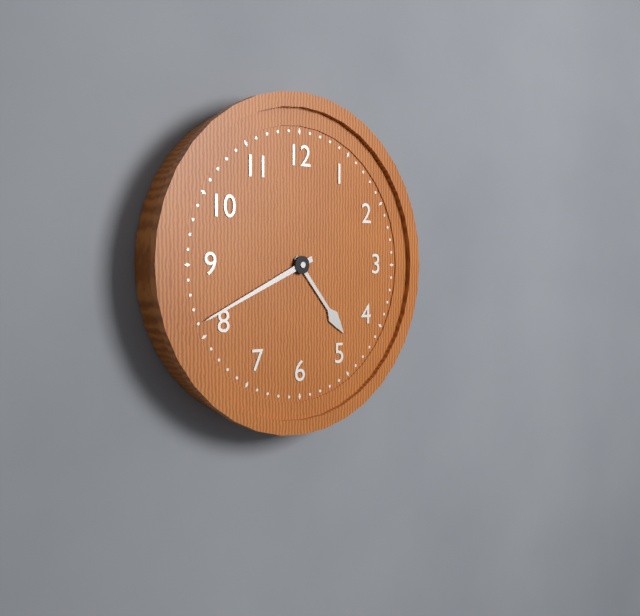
4:41
